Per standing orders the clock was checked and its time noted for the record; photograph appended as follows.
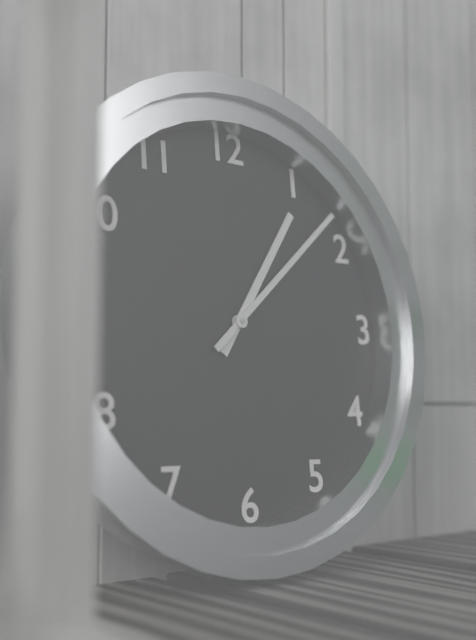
1:08
